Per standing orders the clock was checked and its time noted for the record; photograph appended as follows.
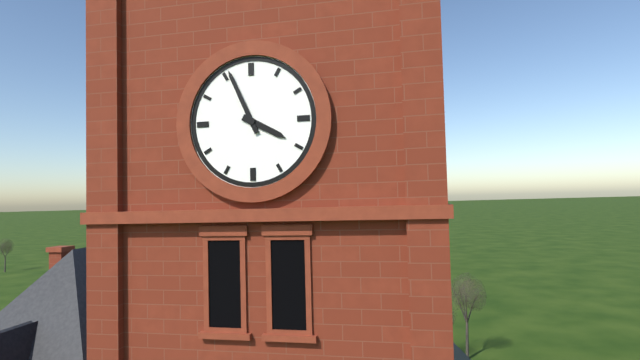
3:56
